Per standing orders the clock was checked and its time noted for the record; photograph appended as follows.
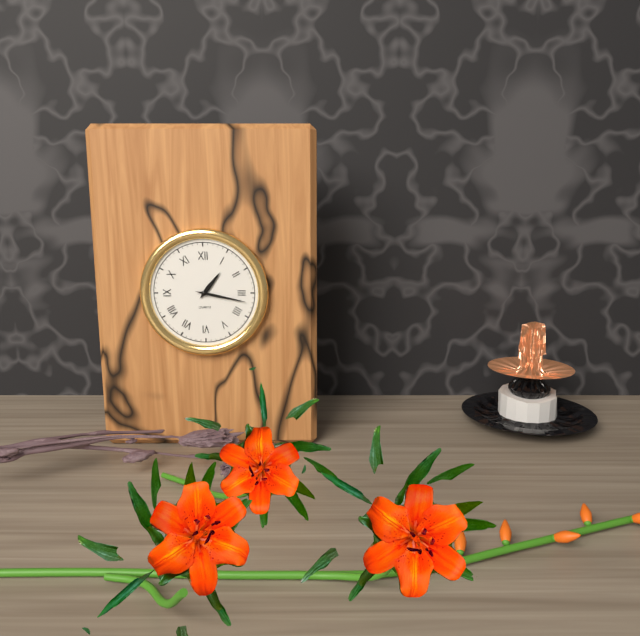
1:17
